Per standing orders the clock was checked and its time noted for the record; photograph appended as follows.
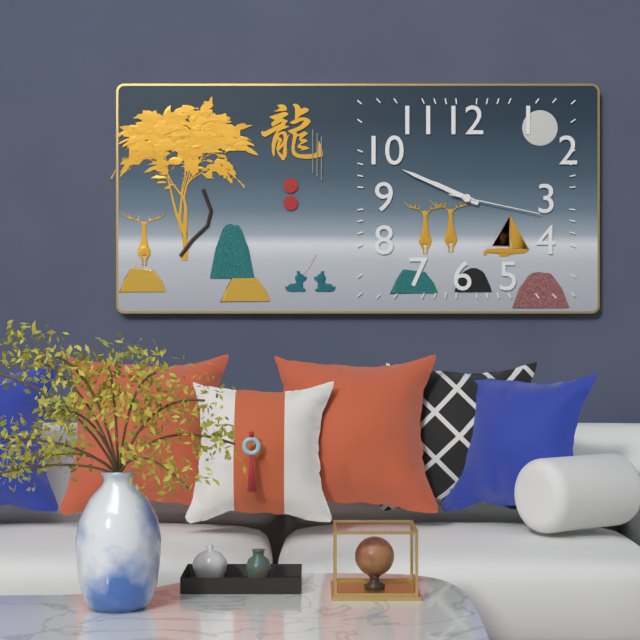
9:49:17
